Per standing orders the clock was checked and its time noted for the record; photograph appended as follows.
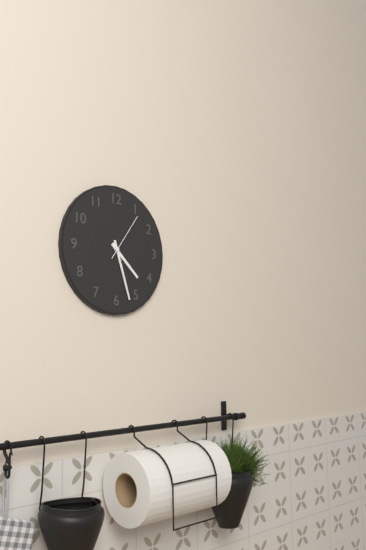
4:27
